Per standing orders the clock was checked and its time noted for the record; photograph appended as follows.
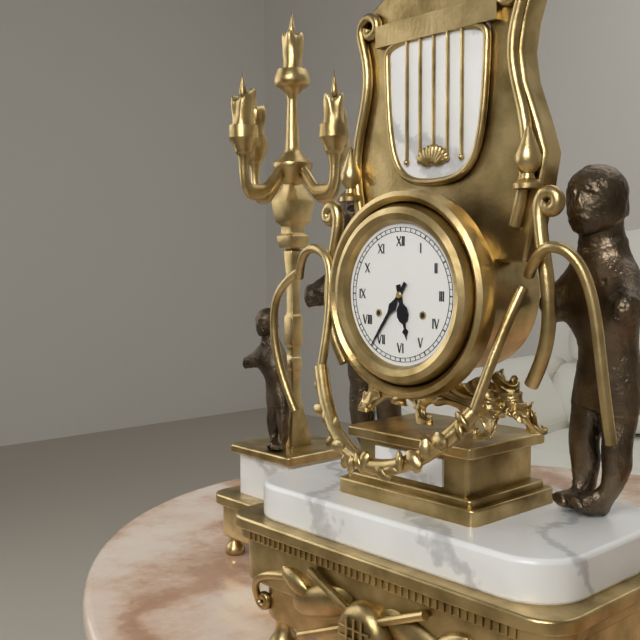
5:36
